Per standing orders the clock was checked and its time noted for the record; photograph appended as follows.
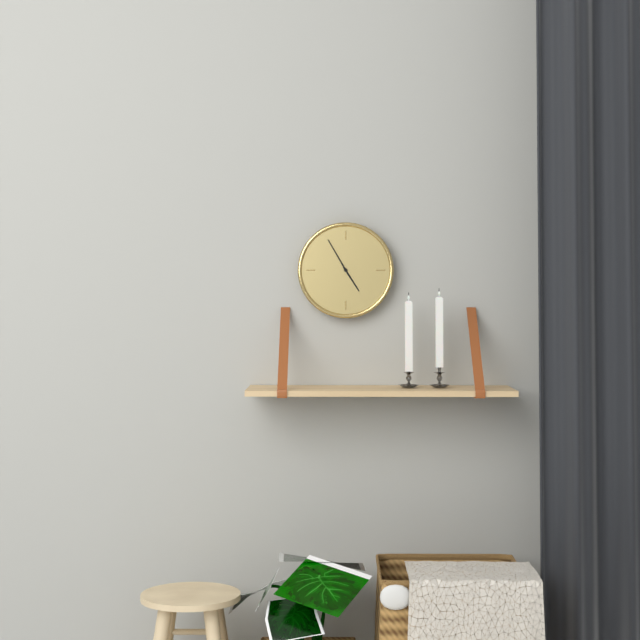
4:55
